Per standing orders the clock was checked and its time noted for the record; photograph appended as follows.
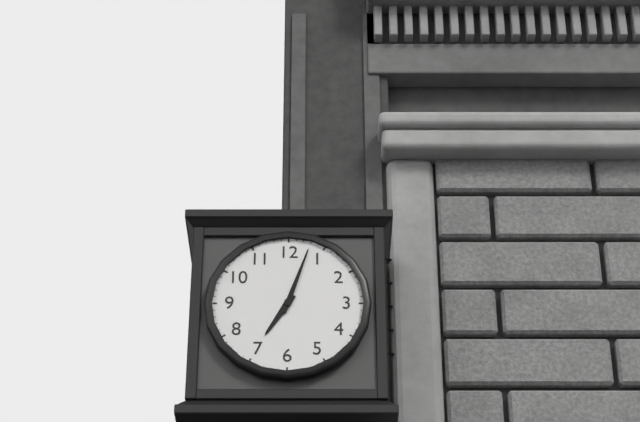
7:03
